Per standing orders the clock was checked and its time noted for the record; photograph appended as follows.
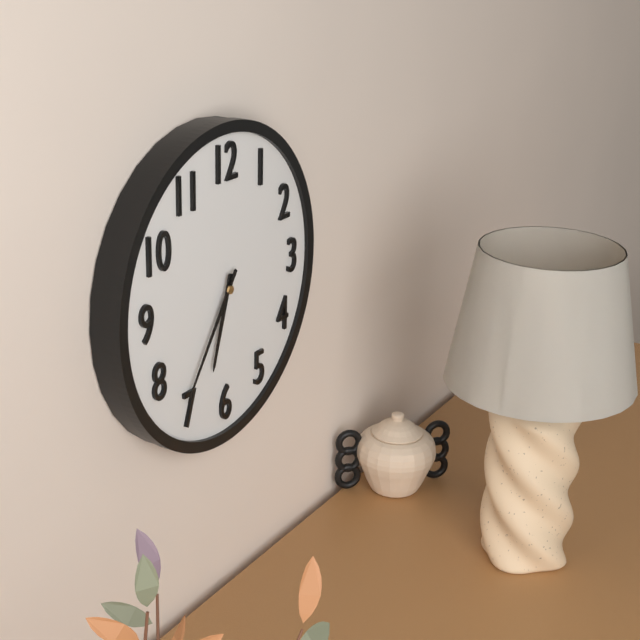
6:36
